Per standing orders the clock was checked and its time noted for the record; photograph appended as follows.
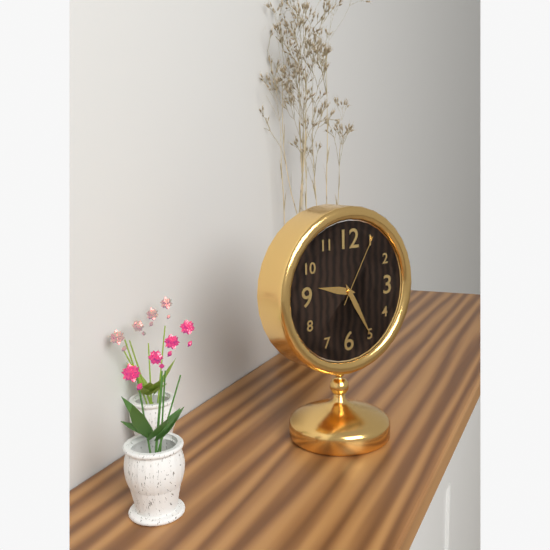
9:25:05
